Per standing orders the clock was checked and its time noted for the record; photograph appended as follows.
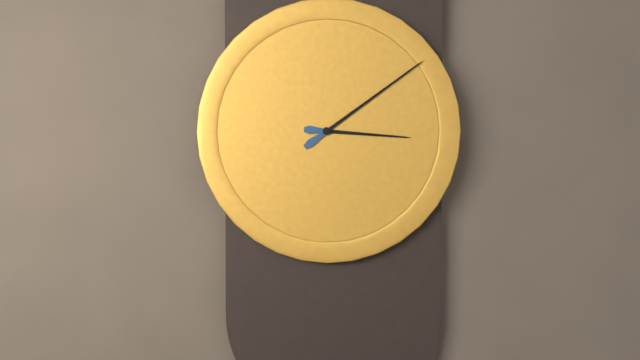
3:09
